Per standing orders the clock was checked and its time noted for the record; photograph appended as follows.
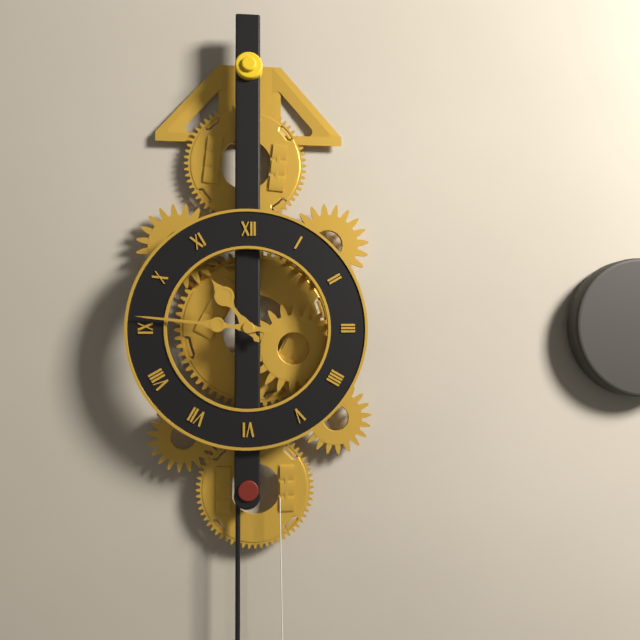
10:46
